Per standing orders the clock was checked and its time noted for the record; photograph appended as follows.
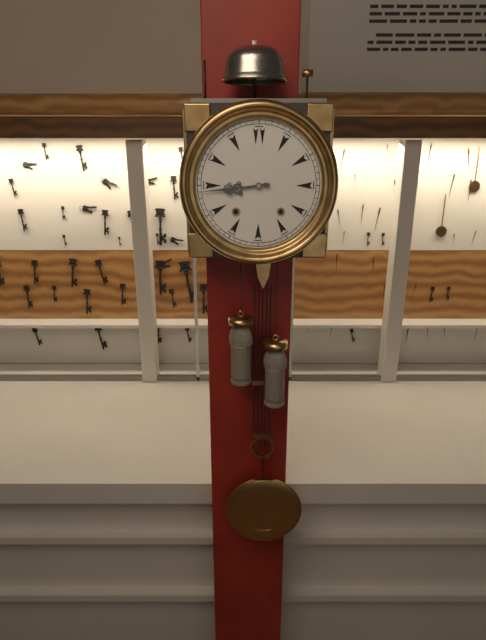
8:44
